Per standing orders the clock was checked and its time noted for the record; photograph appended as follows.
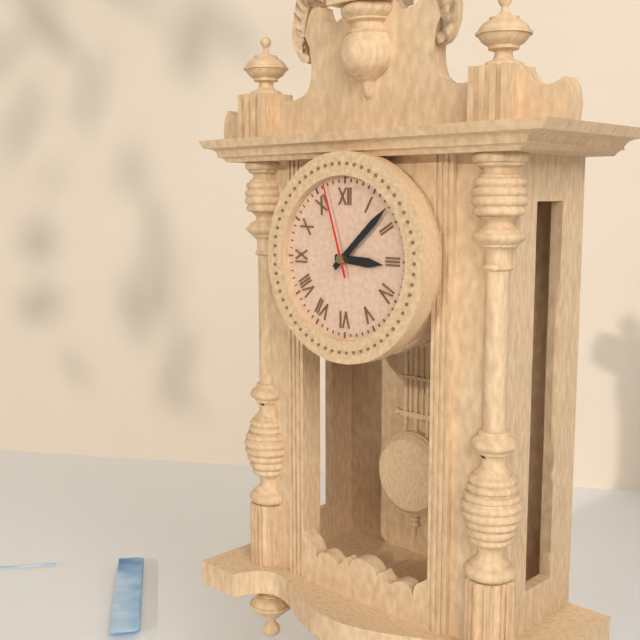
3:08:57
